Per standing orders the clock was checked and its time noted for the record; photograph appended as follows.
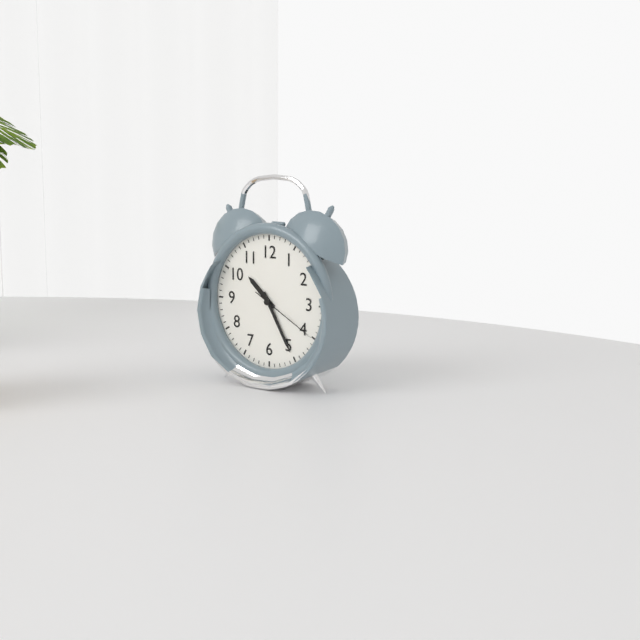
10:25:20
